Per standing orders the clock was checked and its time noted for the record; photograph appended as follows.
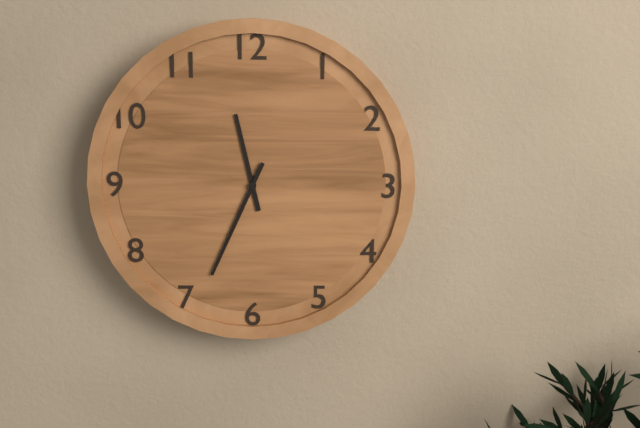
11:34
